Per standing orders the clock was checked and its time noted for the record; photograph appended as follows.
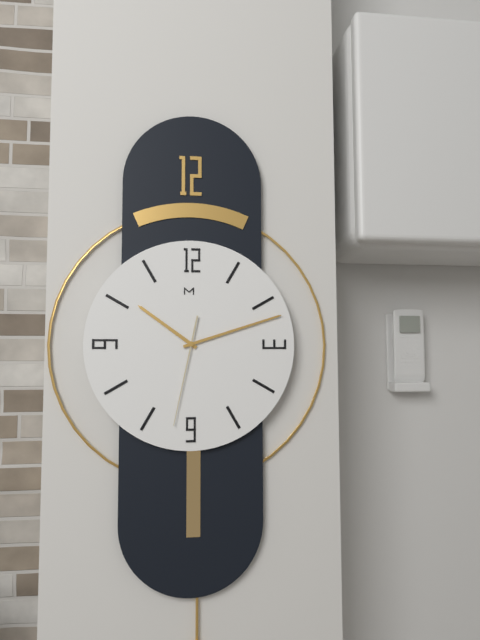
10:12:32
